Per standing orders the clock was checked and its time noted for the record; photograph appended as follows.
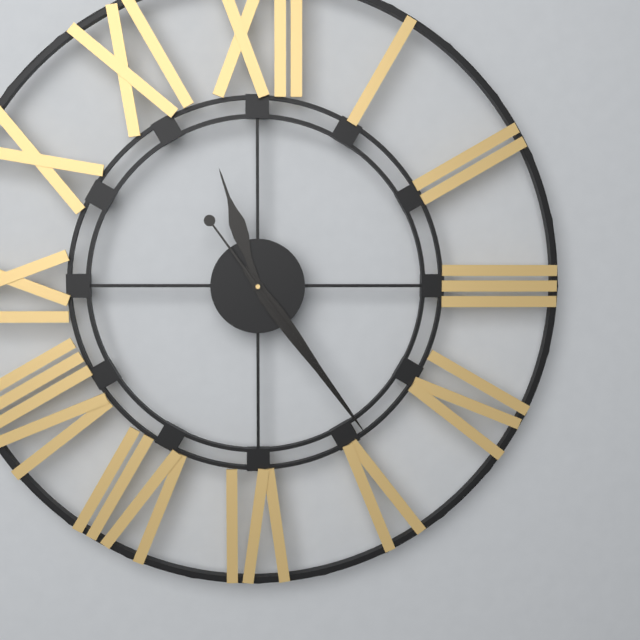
11:24:24
